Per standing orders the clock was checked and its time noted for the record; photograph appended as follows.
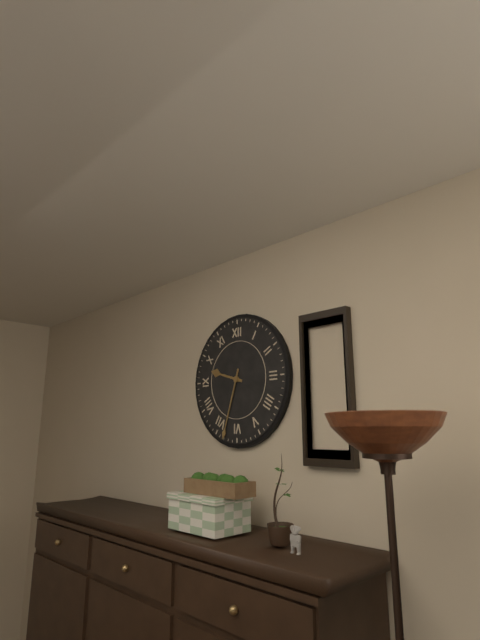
9:33
